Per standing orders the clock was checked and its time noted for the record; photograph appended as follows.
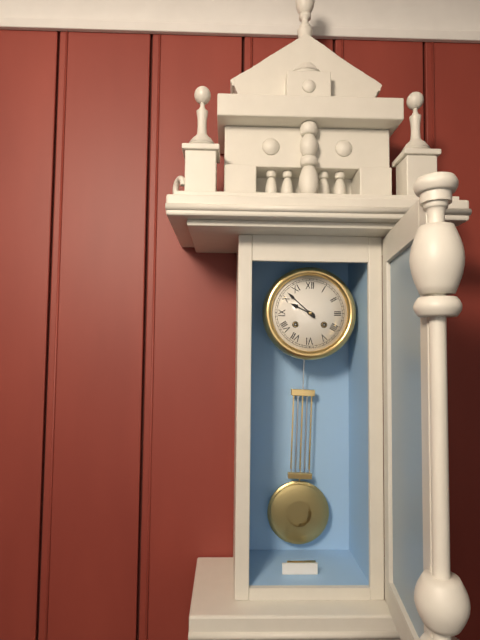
9:52
